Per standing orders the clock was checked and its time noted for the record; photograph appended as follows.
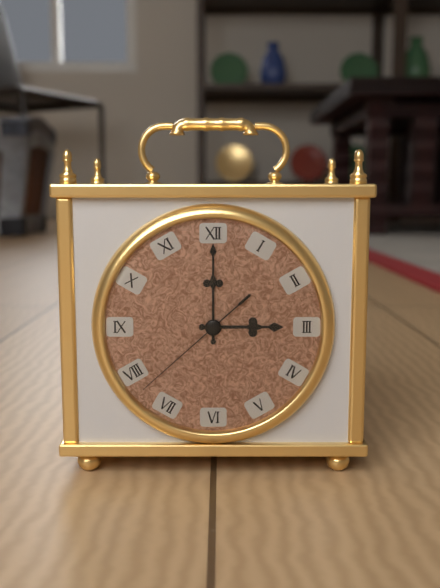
3:00:38
